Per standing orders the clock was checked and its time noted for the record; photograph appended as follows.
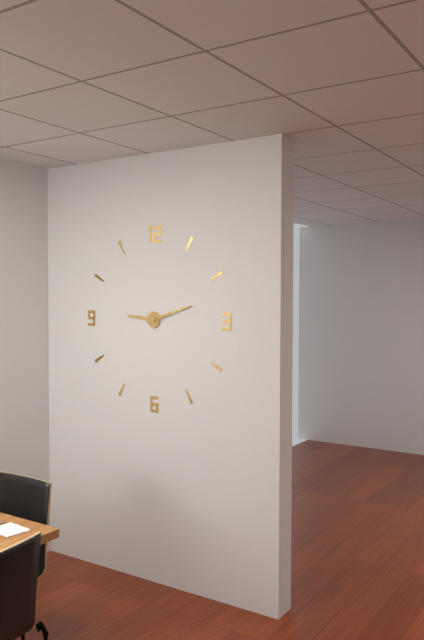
9:12
